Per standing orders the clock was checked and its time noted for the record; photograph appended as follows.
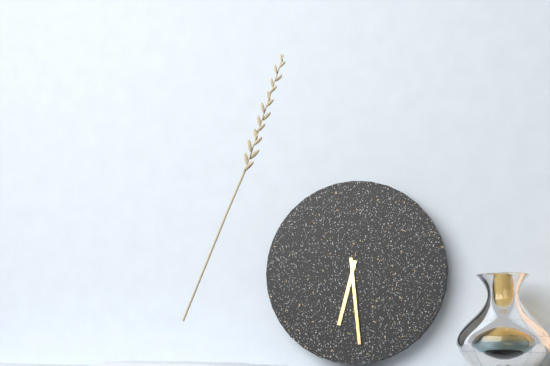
6:29
